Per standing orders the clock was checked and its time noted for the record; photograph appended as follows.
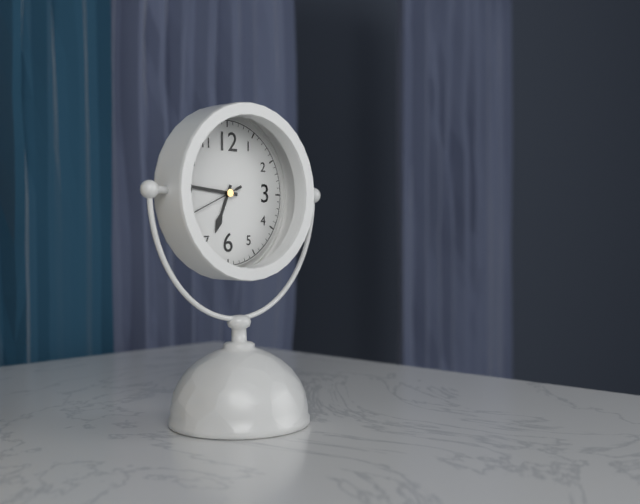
6:46:41
